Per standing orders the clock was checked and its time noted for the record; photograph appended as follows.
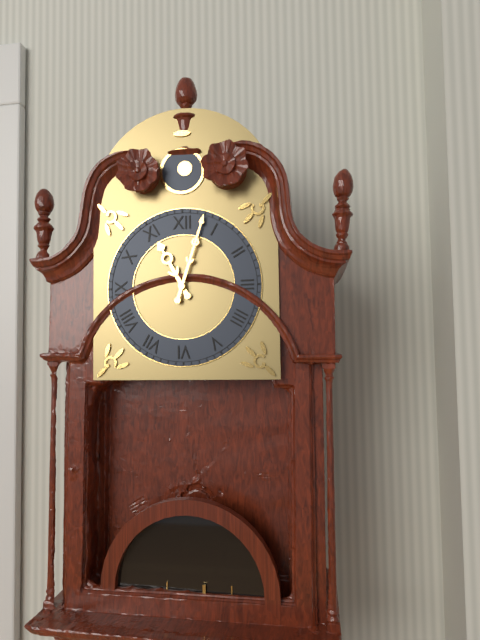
11:03
